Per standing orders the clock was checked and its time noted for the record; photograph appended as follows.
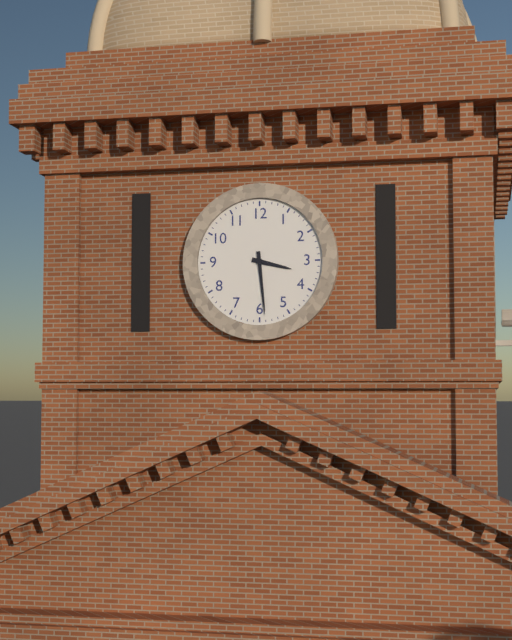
3:29
